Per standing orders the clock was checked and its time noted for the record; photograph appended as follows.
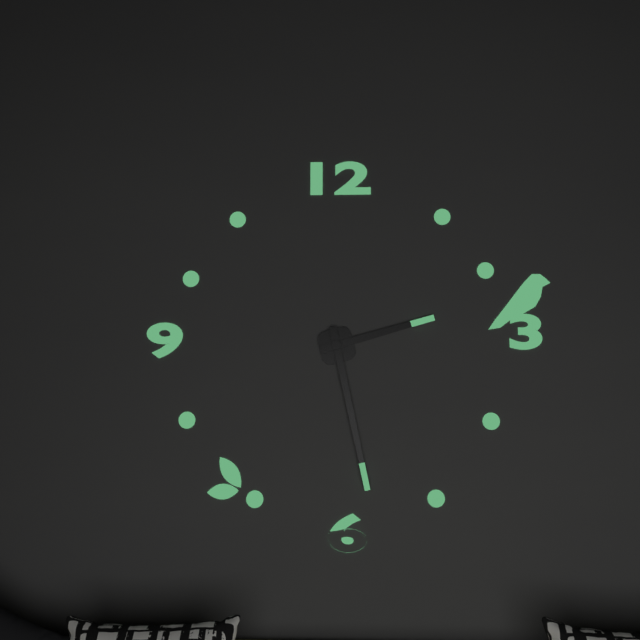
2:28
